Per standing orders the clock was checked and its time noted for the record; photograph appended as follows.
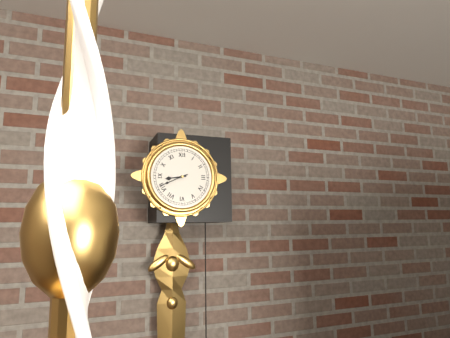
8:41
